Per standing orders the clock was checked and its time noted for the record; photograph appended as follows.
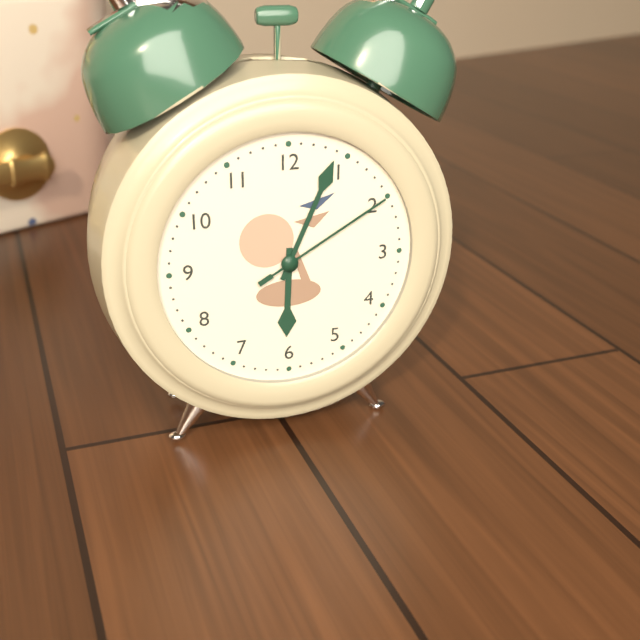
6:04:10
